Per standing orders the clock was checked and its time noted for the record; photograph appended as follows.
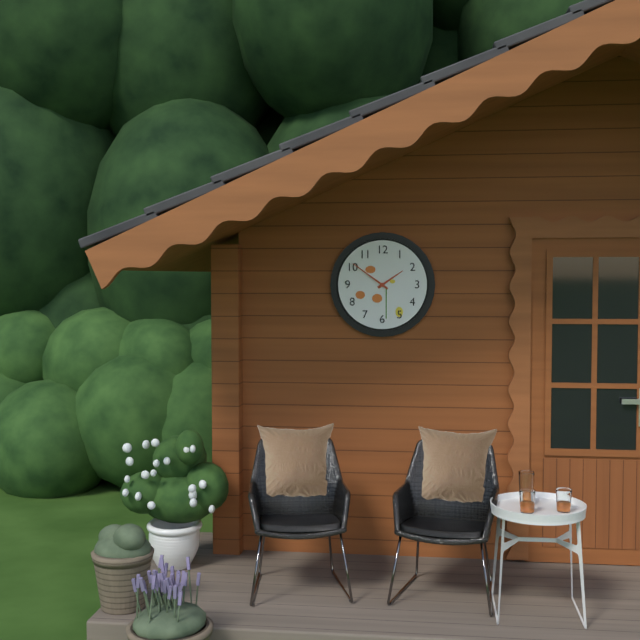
1:51
